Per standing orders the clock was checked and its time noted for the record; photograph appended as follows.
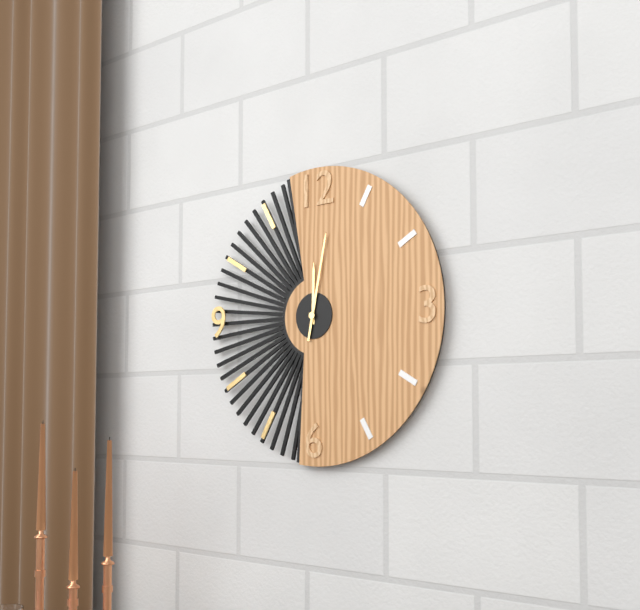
12:02
